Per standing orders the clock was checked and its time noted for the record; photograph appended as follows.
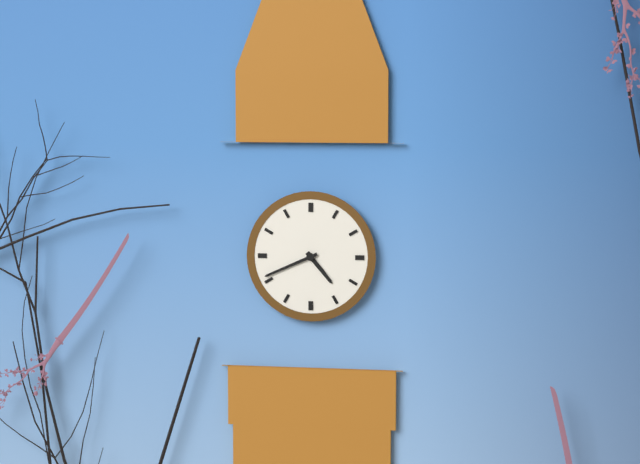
4:41
